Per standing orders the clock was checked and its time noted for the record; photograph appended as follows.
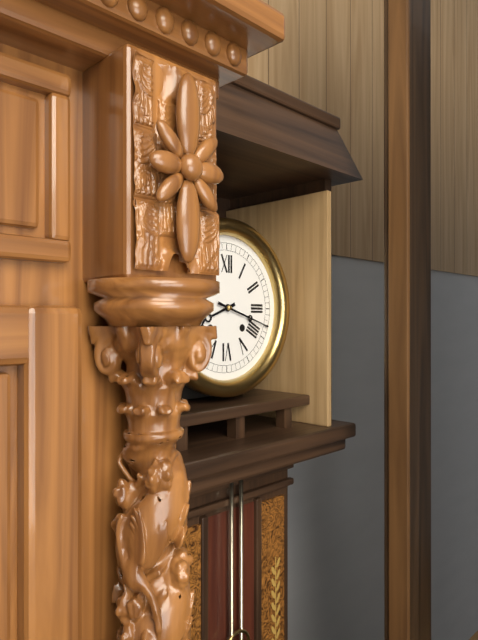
8:18
